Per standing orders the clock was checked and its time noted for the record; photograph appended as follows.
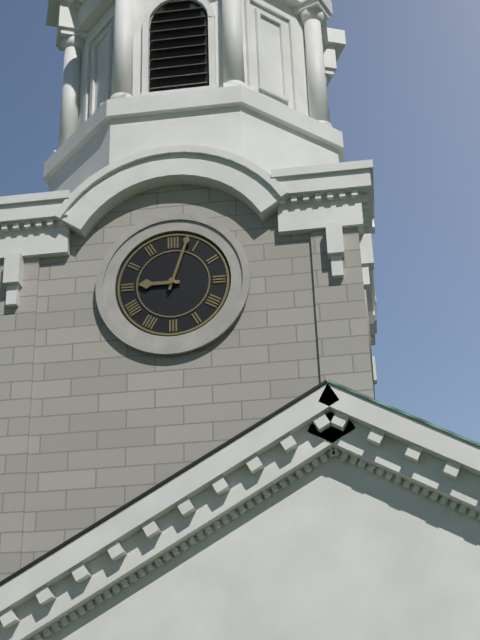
9:03
